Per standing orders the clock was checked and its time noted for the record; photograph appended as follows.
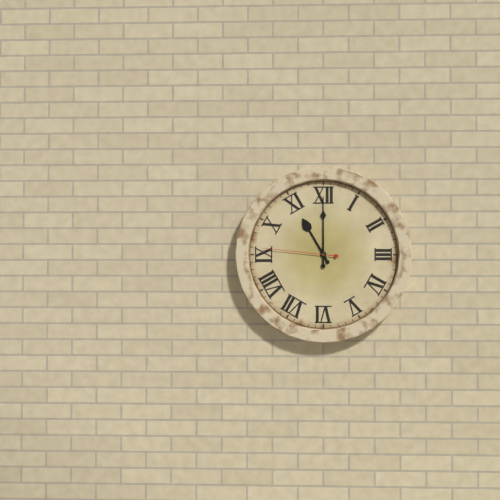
11:00:46
